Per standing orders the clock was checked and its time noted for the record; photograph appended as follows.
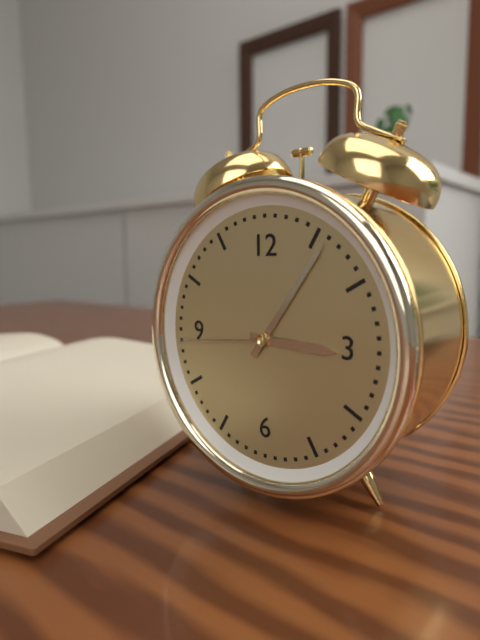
3:06:44
